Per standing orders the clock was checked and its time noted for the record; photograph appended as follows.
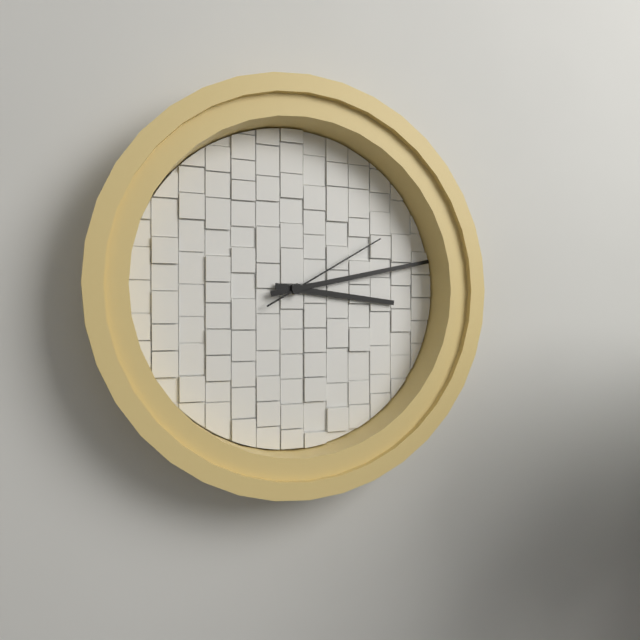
3:13:10
